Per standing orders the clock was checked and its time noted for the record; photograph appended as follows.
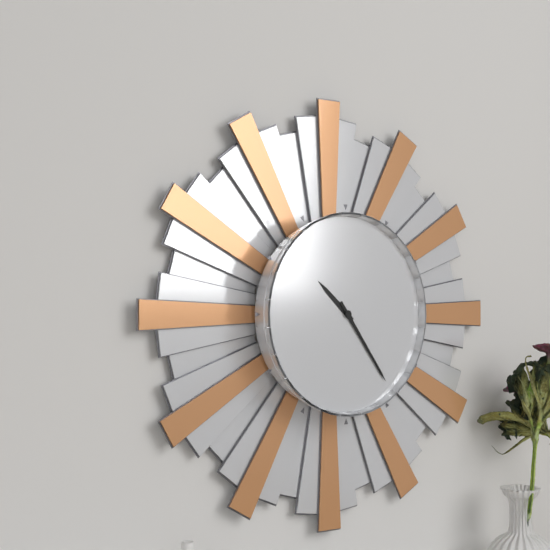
10:24
